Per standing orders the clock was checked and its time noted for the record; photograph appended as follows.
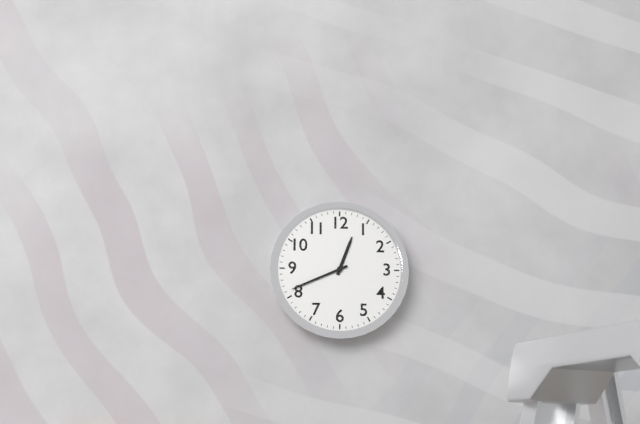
12:41
